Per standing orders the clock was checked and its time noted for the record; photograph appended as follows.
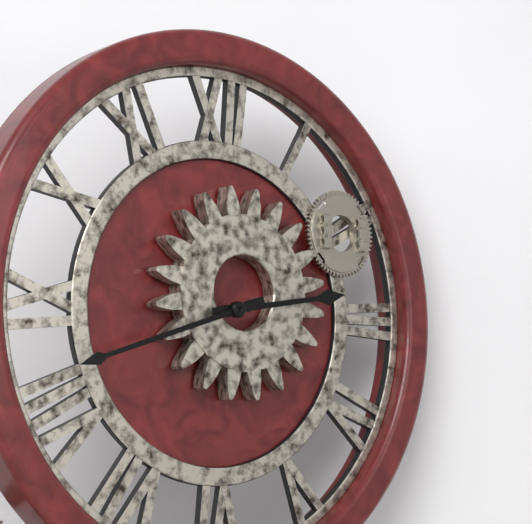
2:42
